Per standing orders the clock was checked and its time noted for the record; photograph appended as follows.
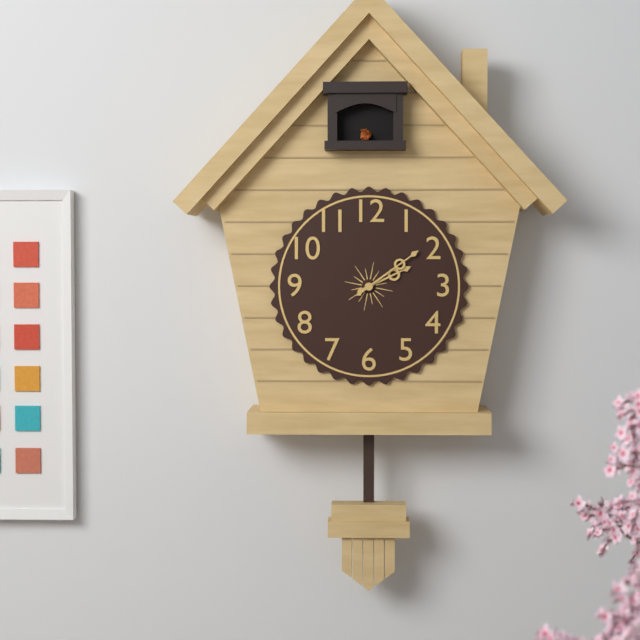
2:09
